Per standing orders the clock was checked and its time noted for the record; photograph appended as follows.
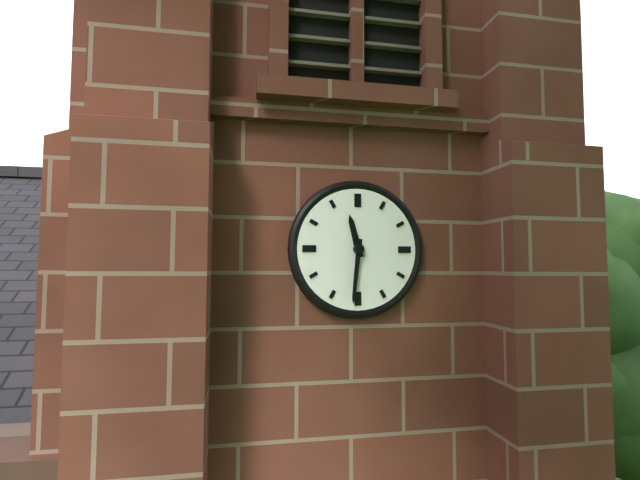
11:31
